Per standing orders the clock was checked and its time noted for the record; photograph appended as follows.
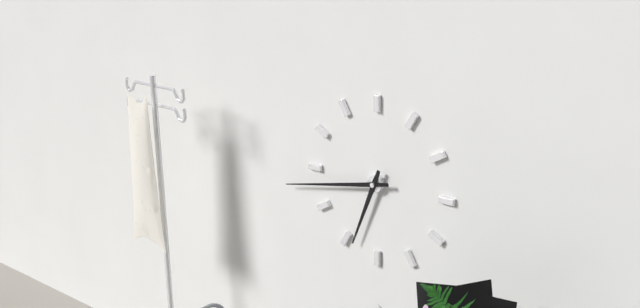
6:43
